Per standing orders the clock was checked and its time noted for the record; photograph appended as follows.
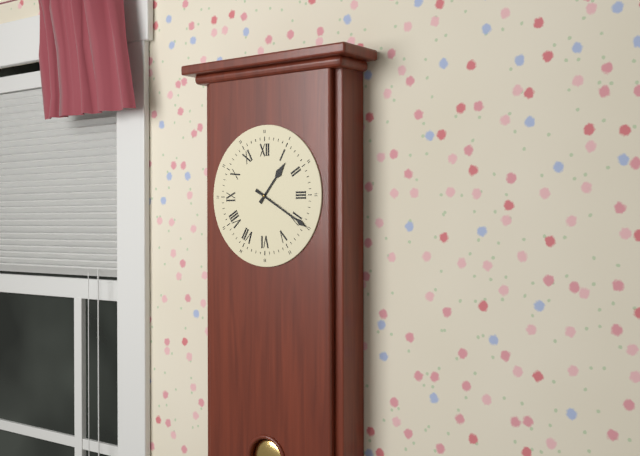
1:20
